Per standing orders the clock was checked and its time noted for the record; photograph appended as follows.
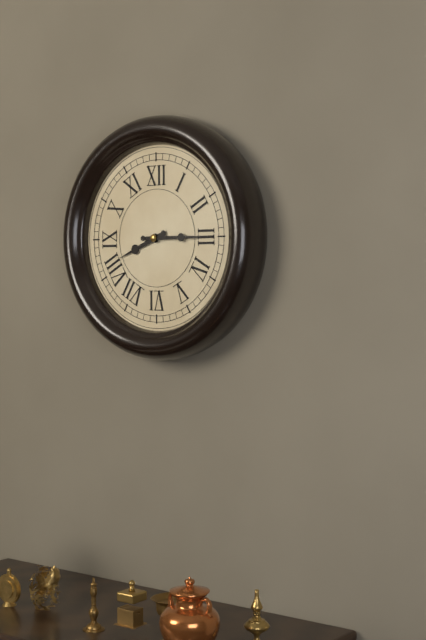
8:15
